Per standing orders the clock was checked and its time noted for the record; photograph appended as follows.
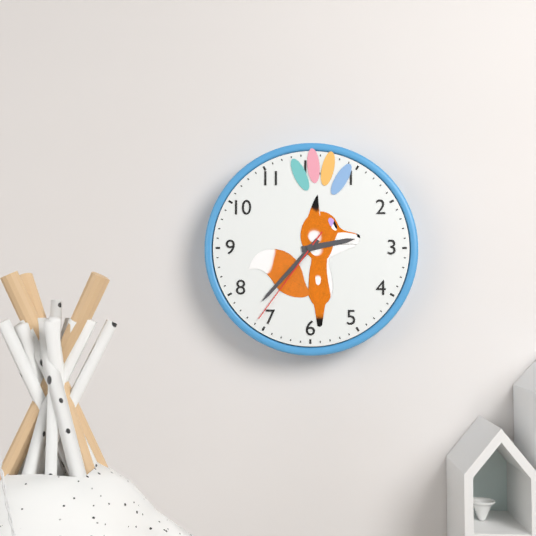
2:37:36
